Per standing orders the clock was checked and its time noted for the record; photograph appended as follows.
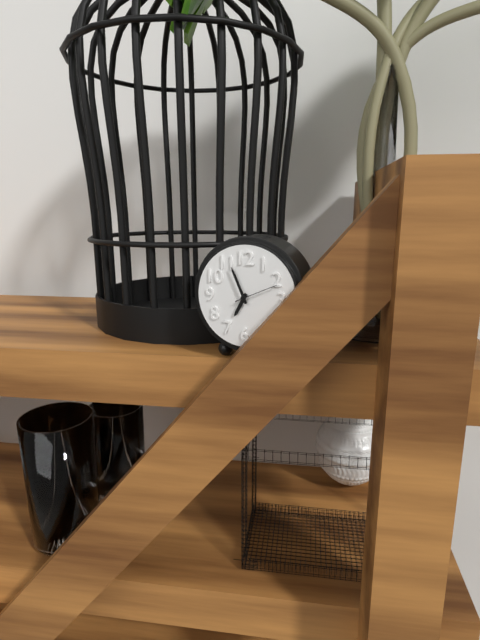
6:56
